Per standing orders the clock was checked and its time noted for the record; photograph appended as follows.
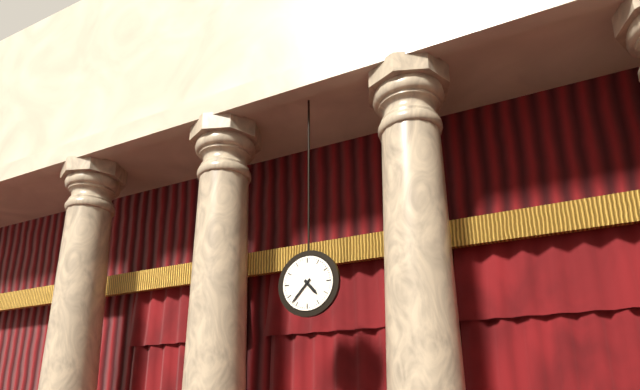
4:37
